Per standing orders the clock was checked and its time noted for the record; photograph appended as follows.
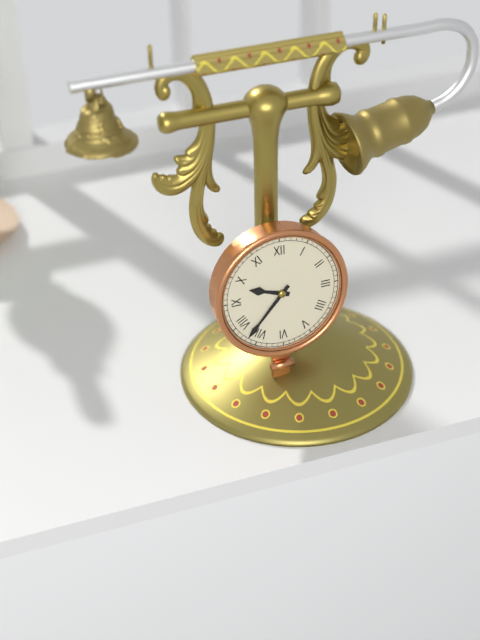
9:37
